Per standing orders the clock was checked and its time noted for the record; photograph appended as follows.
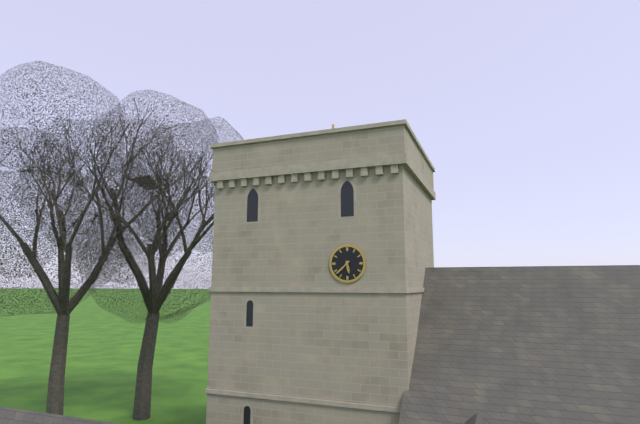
5:38
